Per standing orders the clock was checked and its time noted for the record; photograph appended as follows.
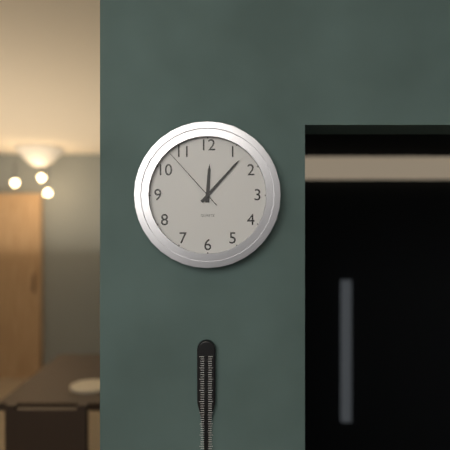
12:07:53
